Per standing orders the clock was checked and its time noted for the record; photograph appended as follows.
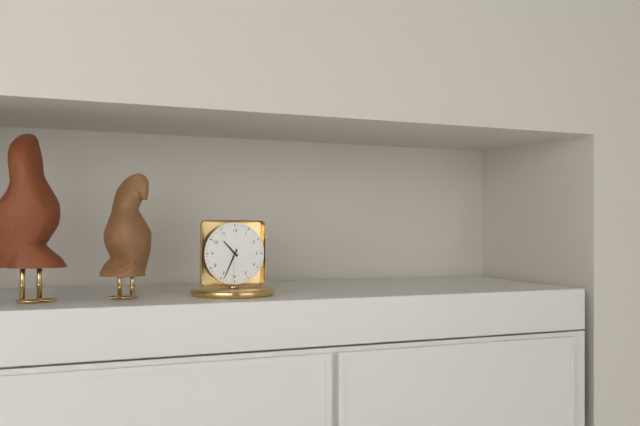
10:34
